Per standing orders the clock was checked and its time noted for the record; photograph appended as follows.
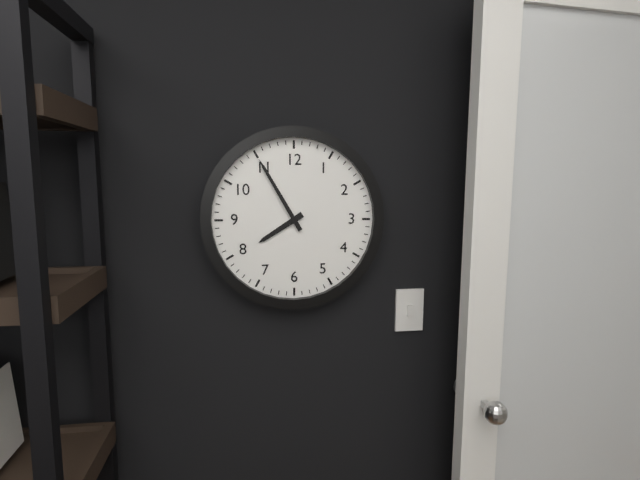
7:55
